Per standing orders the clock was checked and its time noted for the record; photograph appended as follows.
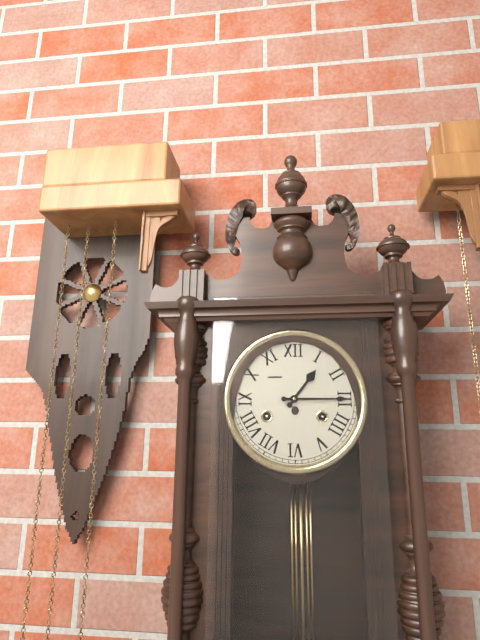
1:15
